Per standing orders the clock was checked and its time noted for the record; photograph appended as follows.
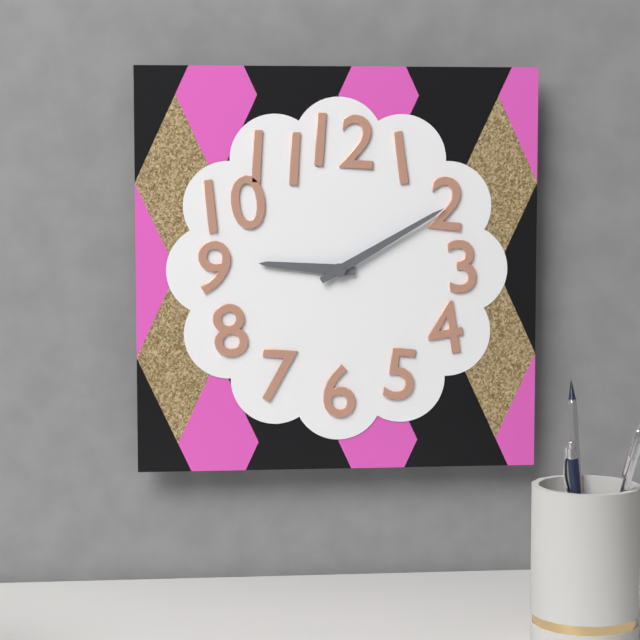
9:10
